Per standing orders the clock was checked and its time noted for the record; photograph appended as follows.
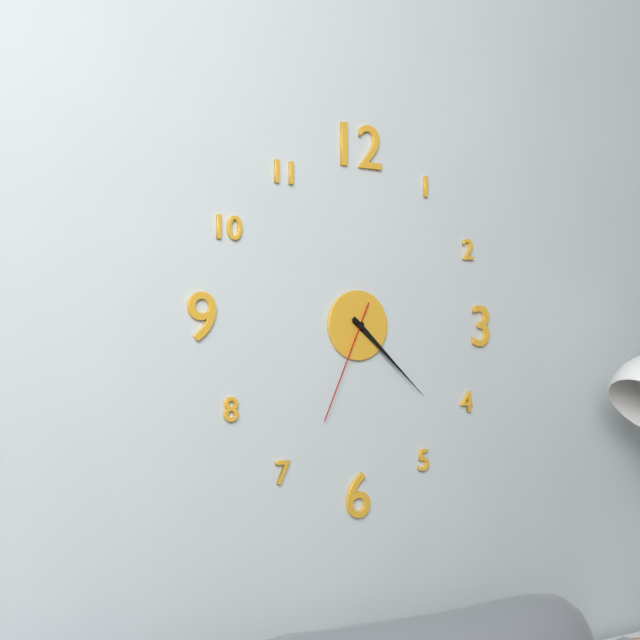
4:22:34
